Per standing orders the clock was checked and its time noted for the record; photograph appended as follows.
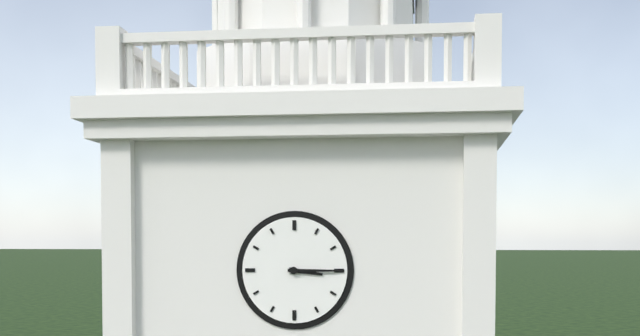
3:15
